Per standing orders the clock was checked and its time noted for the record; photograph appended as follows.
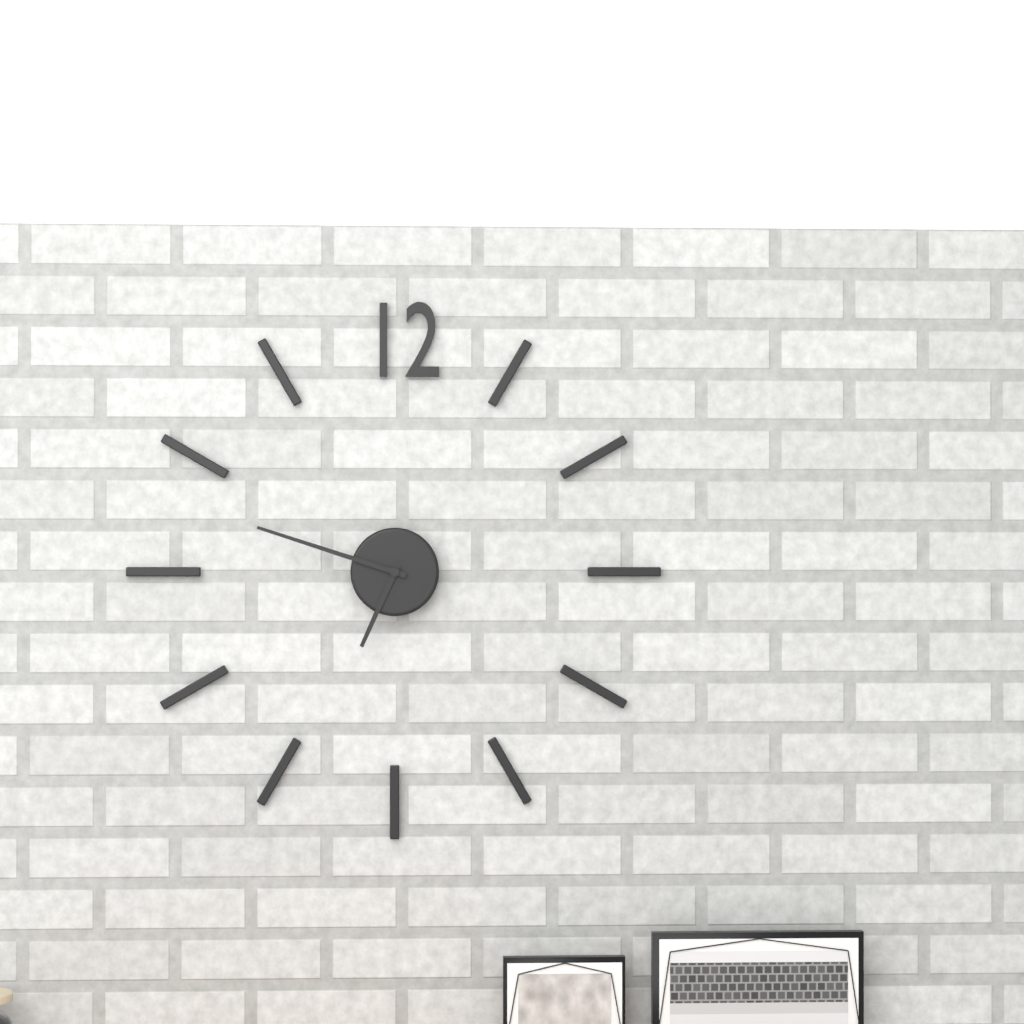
6:48
